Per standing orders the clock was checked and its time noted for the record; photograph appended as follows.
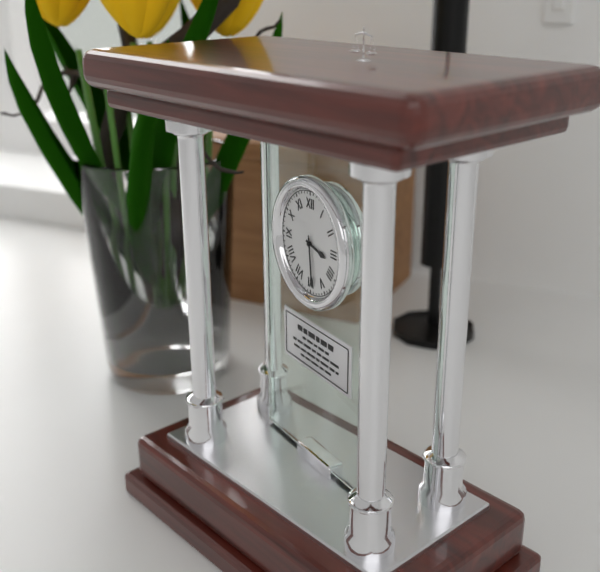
3:29
